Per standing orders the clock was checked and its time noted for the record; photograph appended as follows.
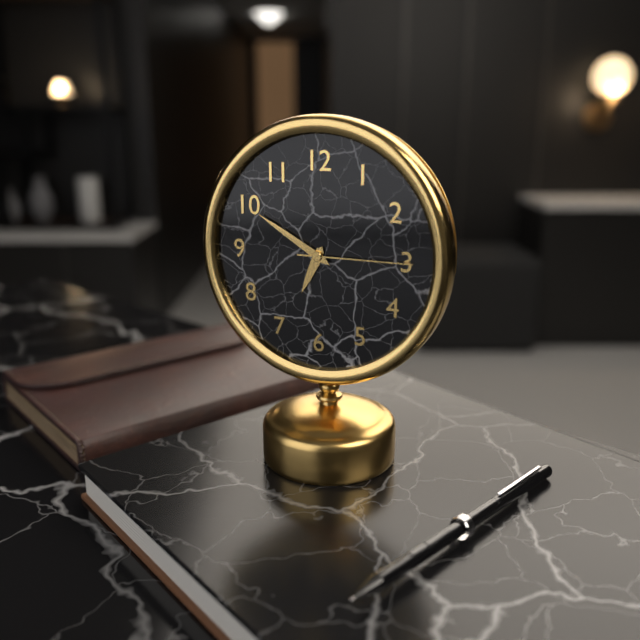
6:50:15
